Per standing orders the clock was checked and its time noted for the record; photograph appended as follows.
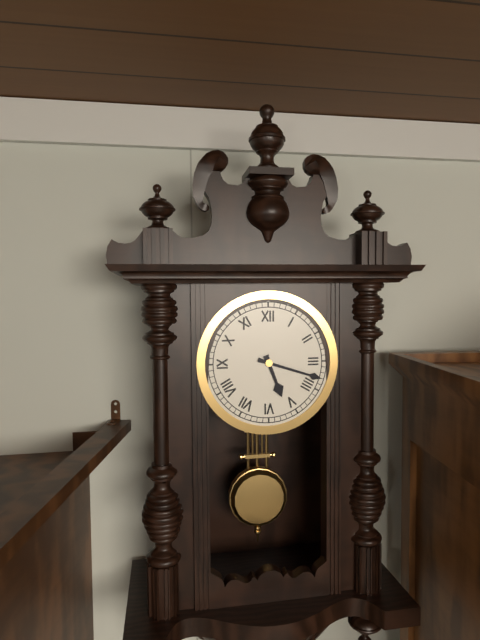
5:18
